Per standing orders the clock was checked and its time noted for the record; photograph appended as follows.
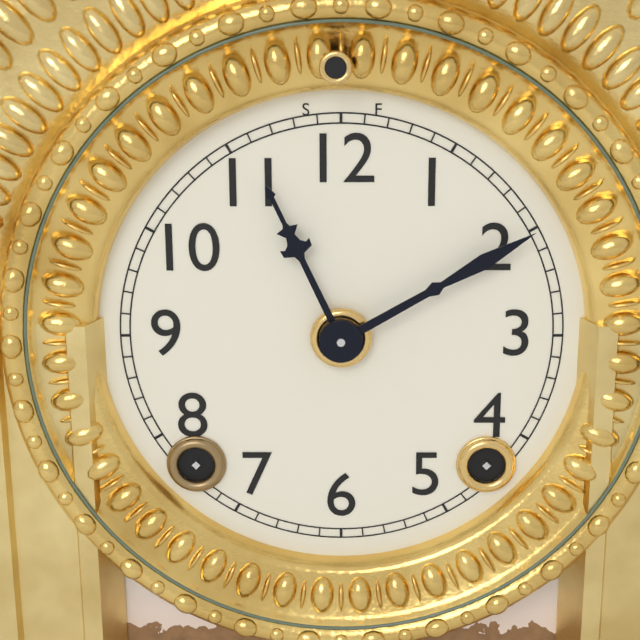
11:10
